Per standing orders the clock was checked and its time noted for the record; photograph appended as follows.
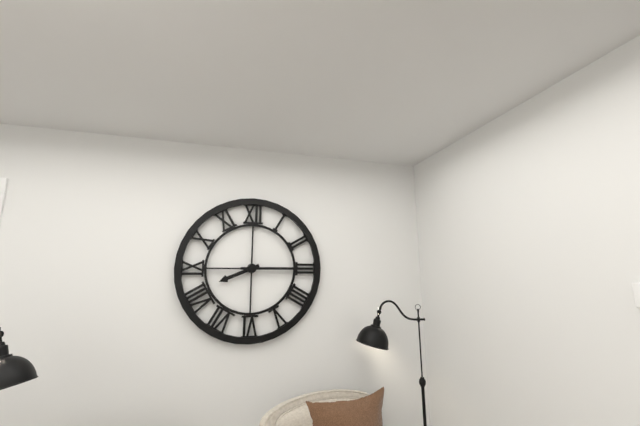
8:15
